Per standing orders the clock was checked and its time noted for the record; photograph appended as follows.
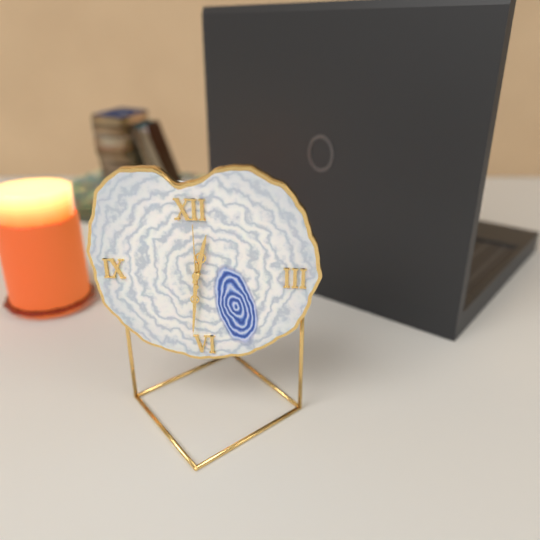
12:31:00
